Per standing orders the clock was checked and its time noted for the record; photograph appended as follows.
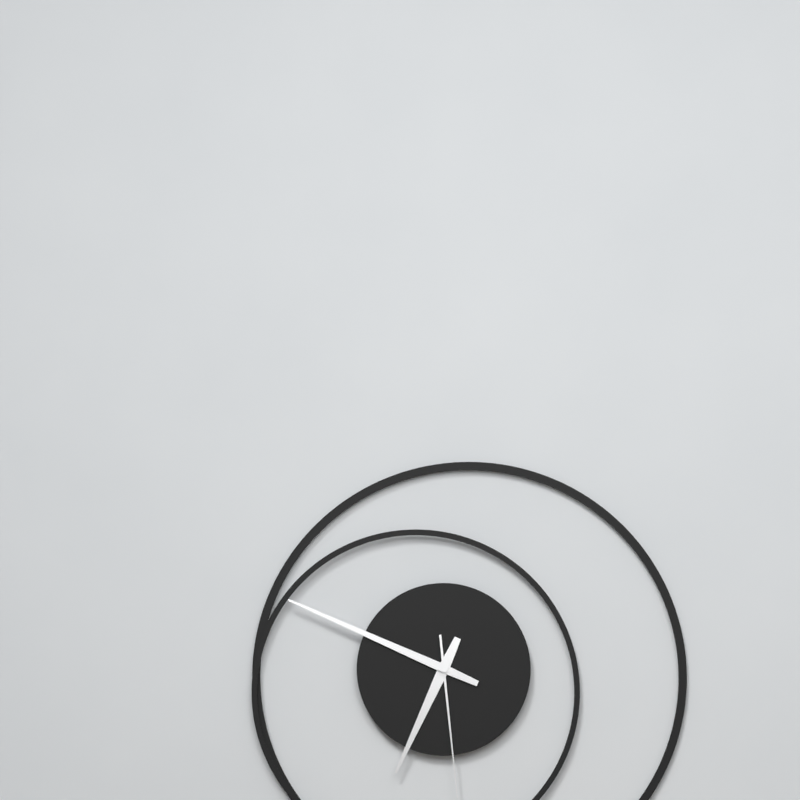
6:49:29
